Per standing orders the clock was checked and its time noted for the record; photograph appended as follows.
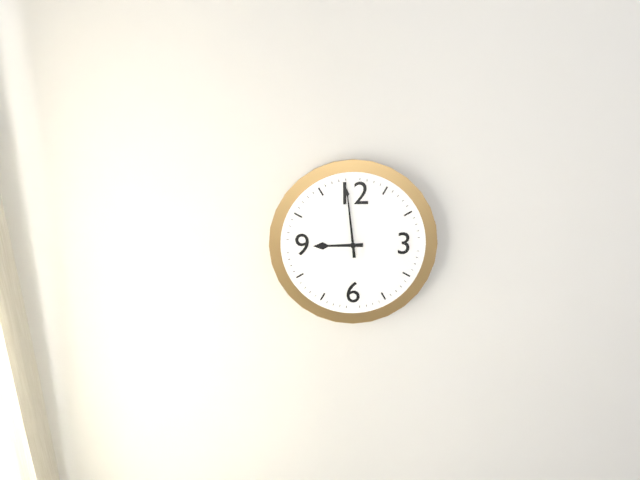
8:59
